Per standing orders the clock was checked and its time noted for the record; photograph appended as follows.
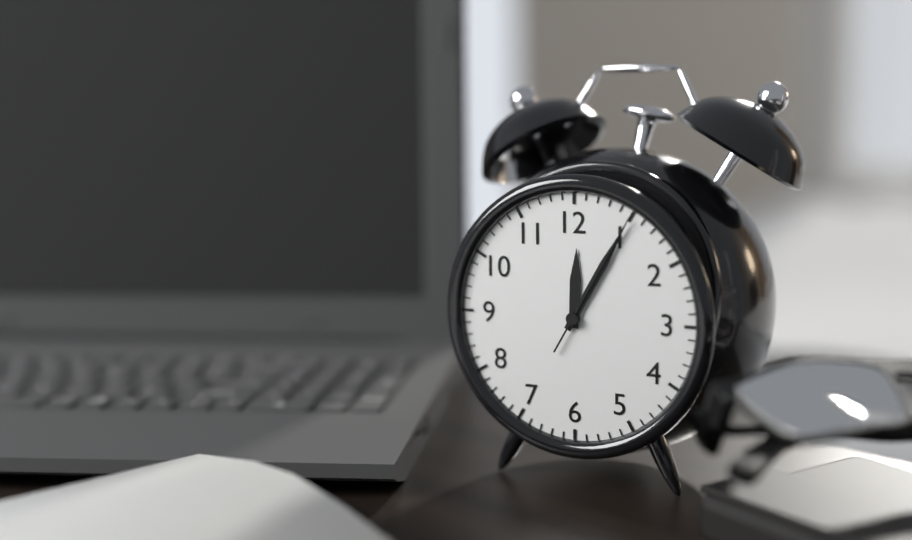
12:05:05
